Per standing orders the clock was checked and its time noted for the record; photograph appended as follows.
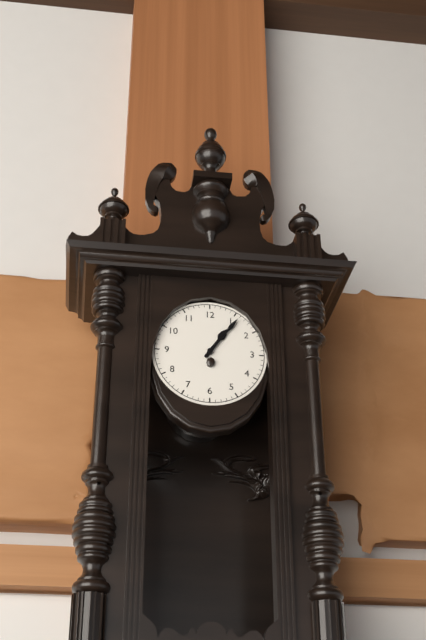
1:06
